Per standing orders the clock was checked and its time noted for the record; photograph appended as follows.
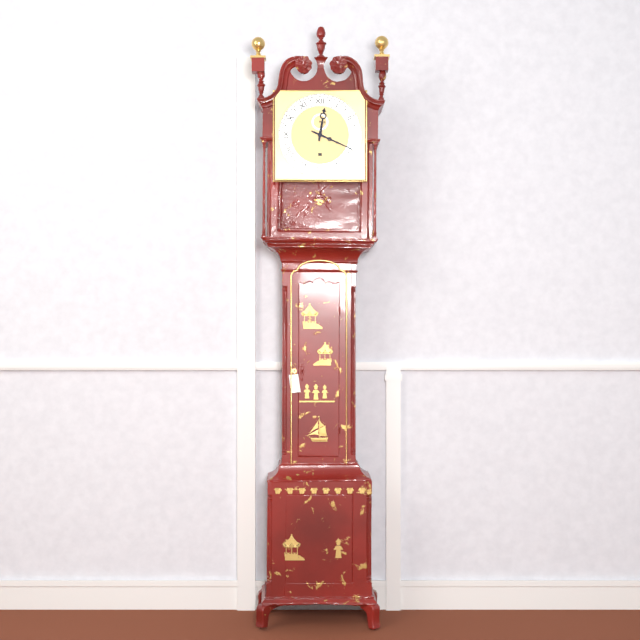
12:19
